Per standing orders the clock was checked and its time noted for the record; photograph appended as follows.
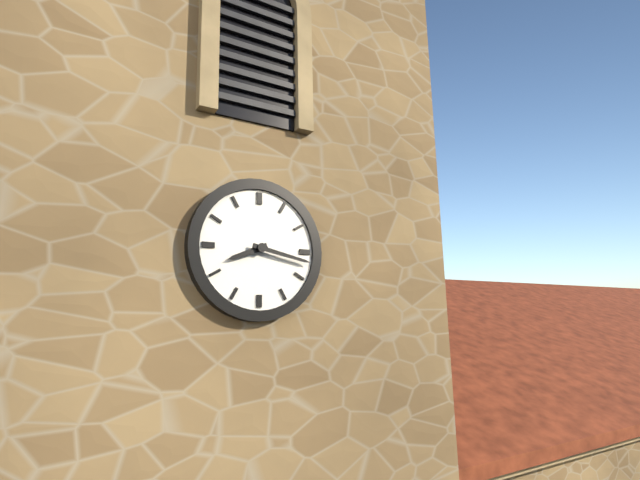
8:17
